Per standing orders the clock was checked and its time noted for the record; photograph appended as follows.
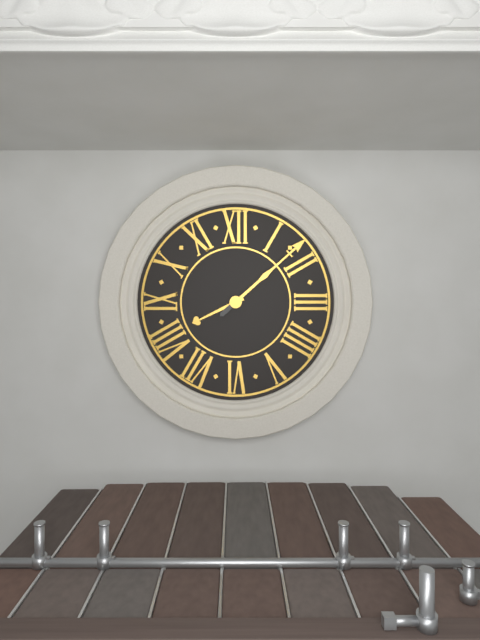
8:08
